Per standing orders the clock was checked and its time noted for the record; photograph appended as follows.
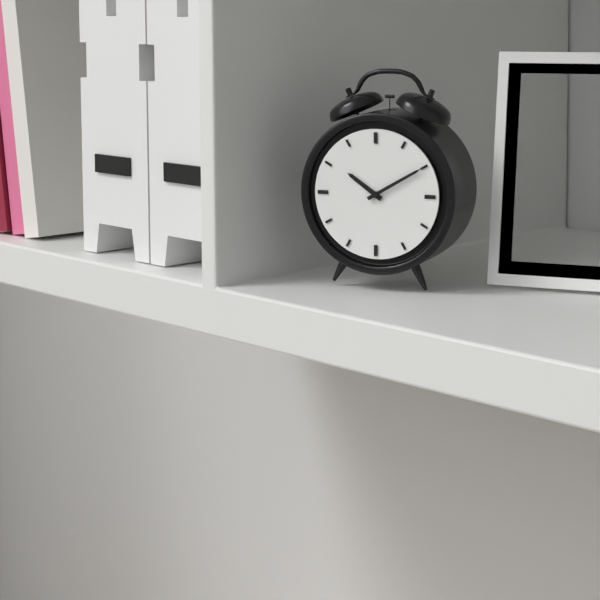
10:10
